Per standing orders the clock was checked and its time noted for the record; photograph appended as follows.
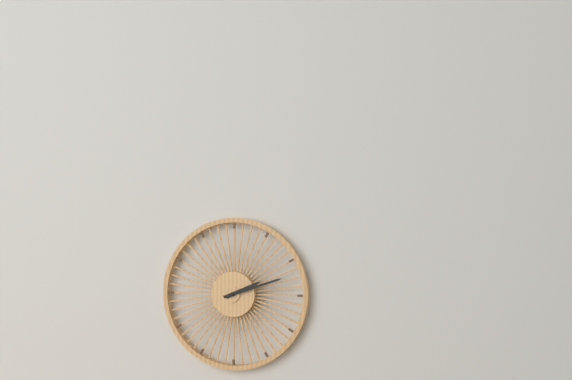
2:12
